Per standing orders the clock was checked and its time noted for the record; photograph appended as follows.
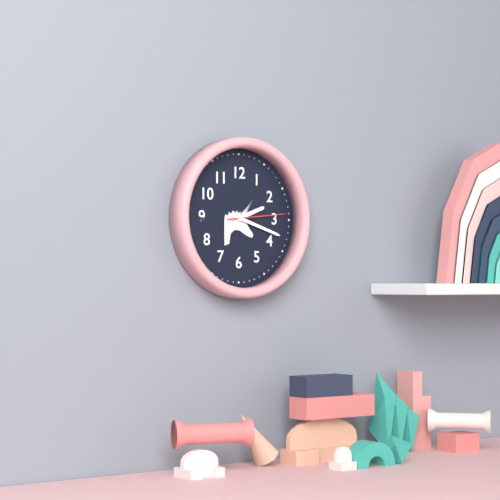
2:18:14
